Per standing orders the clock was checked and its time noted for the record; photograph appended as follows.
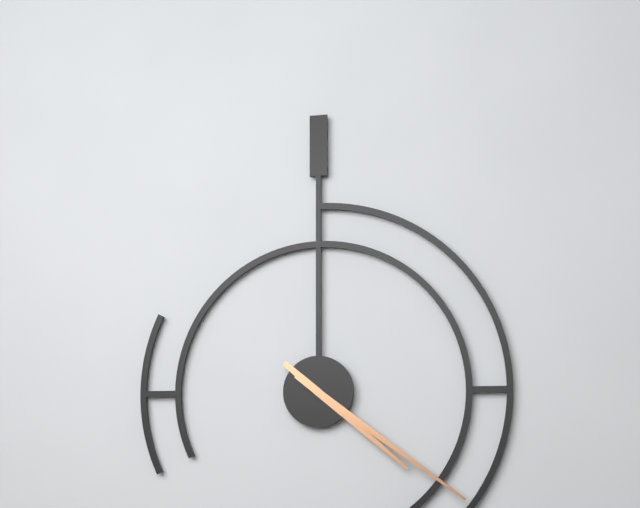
4:21
